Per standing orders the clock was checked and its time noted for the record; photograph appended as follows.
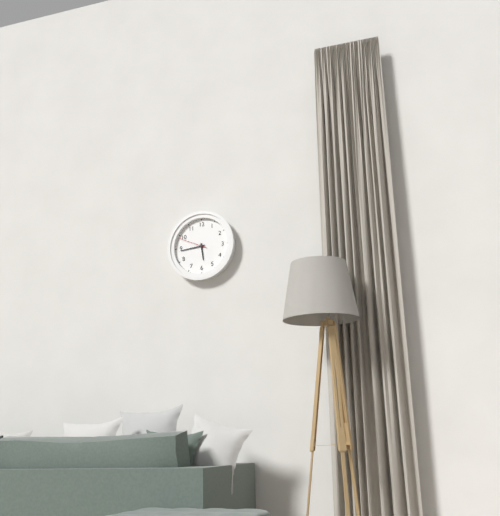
5:44
